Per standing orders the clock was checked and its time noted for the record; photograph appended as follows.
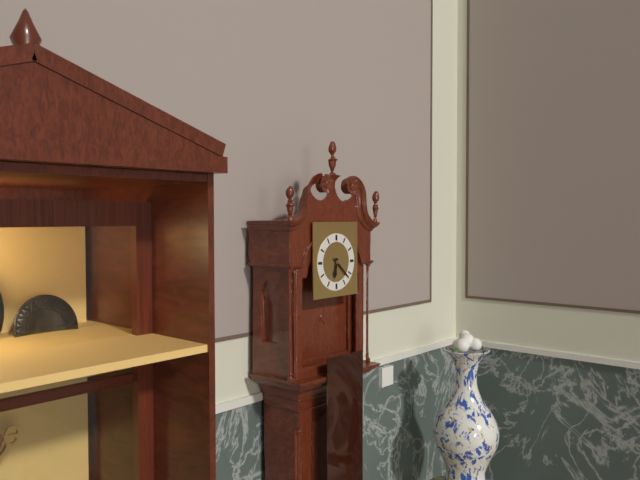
6:22
